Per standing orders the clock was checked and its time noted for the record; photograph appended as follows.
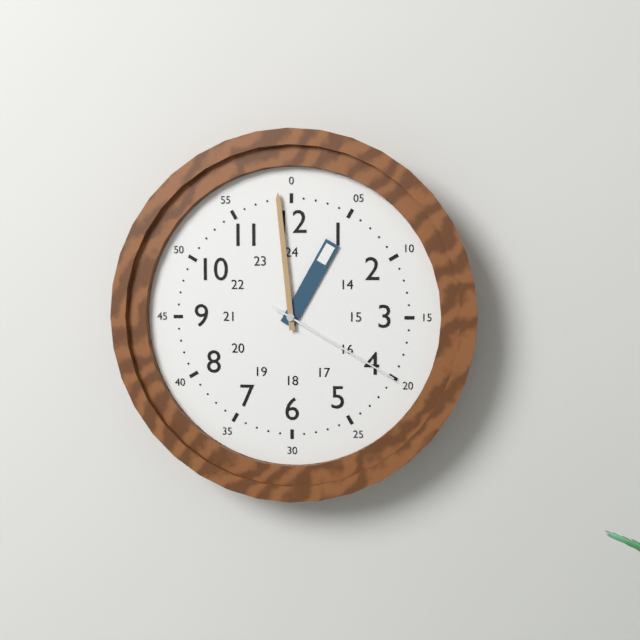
12:59:20
